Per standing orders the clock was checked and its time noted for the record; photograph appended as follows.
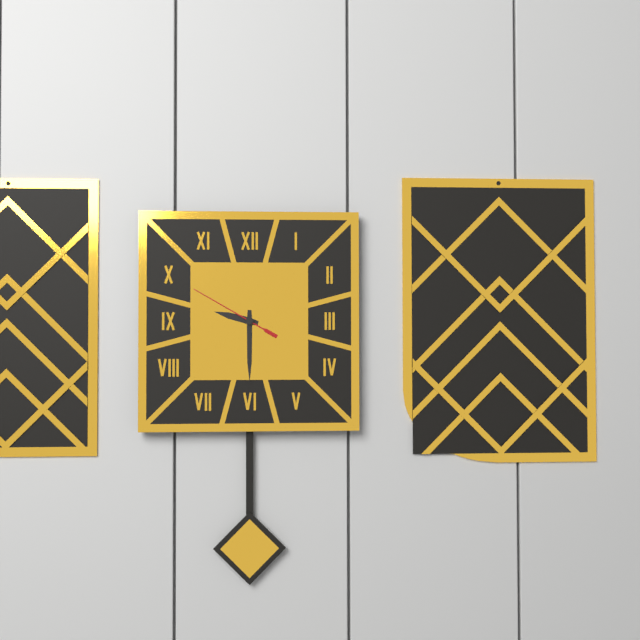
9:30:50
